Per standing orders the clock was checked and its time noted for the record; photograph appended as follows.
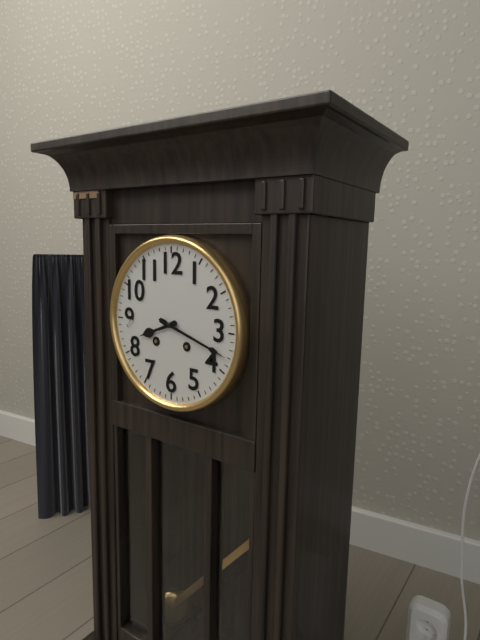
8:18
